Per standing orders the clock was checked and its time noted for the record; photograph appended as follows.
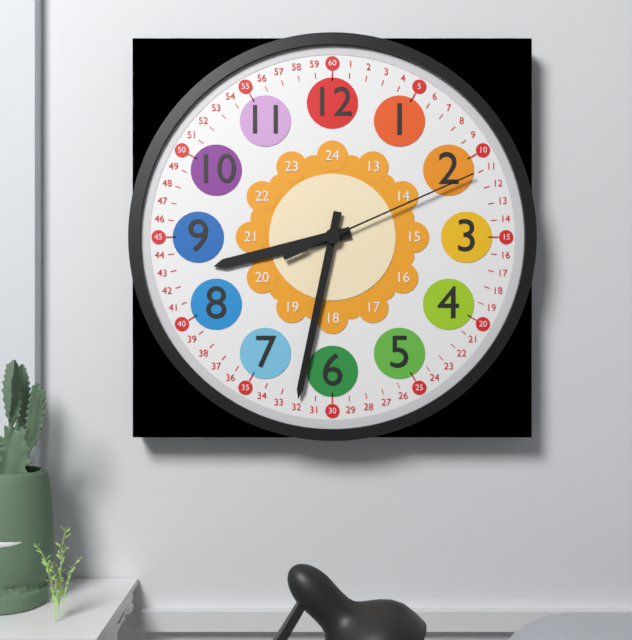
8:32:11
